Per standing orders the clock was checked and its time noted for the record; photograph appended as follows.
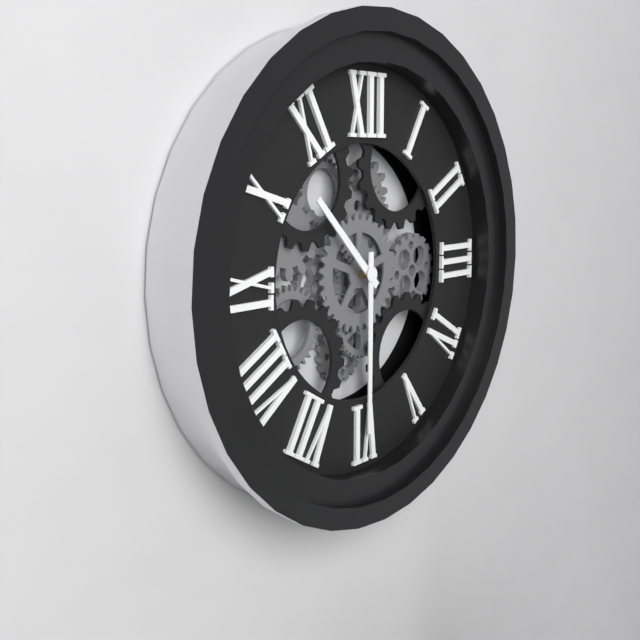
10:30
